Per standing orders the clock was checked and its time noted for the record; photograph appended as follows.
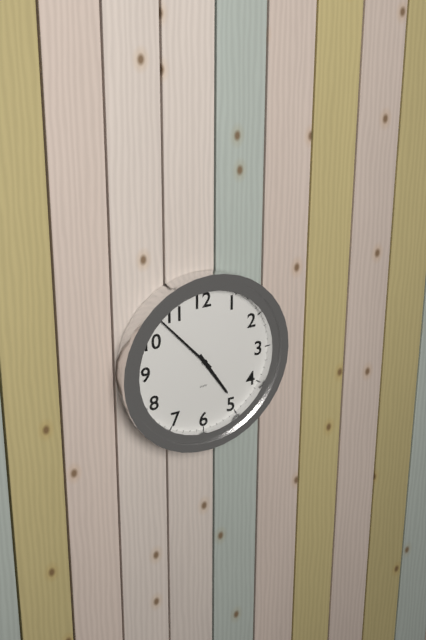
4:53
